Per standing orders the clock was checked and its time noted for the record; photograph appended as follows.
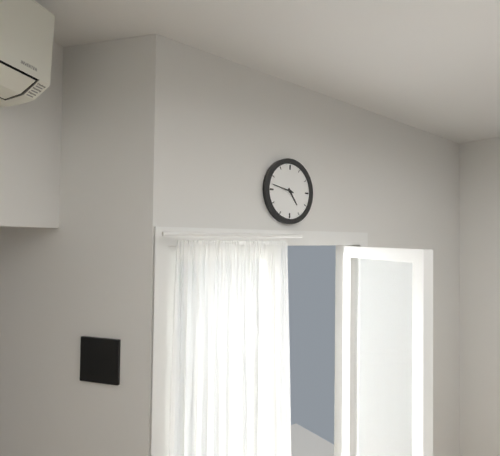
4:47
